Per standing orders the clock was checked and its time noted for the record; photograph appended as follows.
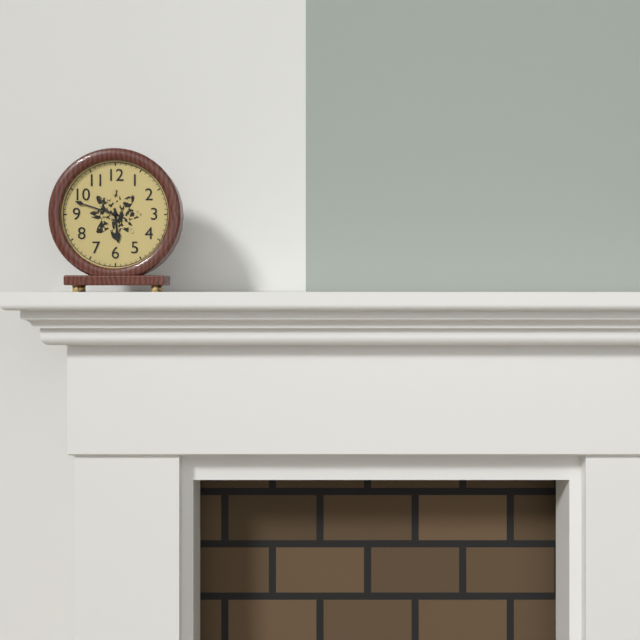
5:48
